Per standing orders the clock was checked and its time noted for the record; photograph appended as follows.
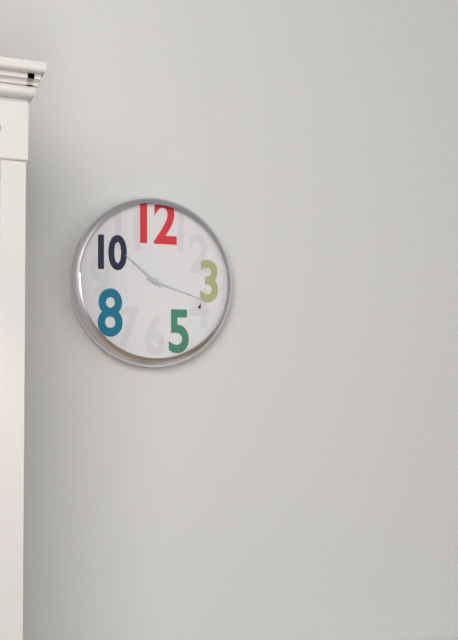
10:18
